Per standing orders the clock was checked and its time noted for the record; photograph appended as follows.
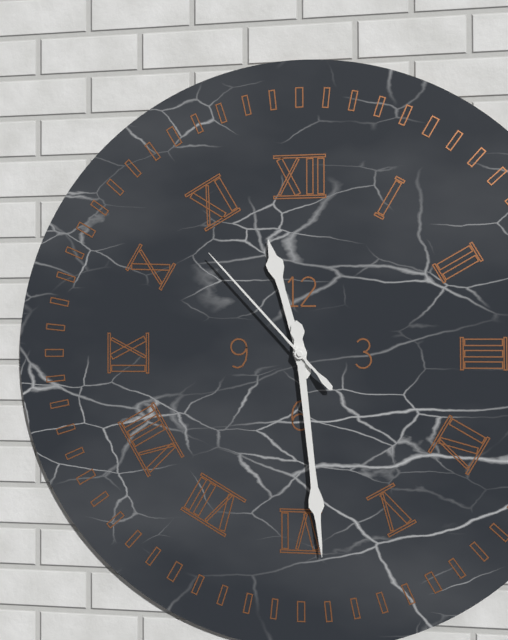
11:29:53
